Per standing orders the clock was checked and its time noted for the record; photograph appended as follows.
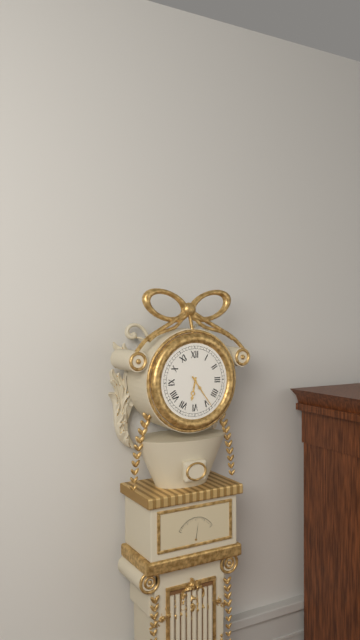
6:24
